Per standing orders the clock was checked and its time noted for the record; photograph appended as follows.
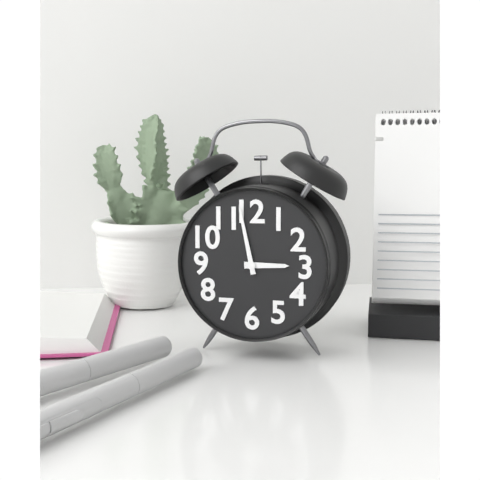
2:58
